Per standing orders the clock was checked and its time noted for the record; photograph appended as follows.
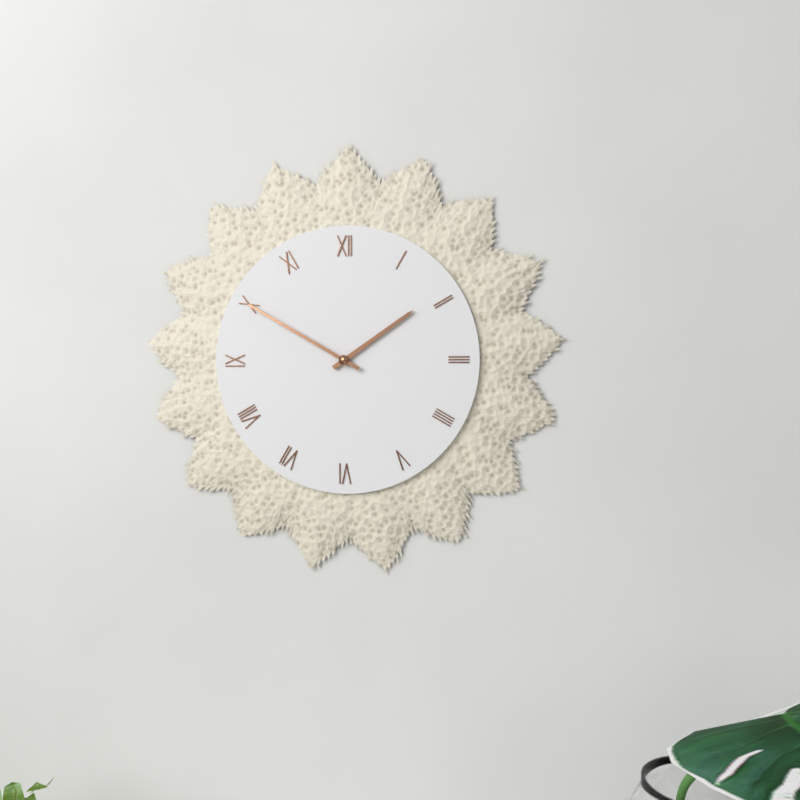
1:50
